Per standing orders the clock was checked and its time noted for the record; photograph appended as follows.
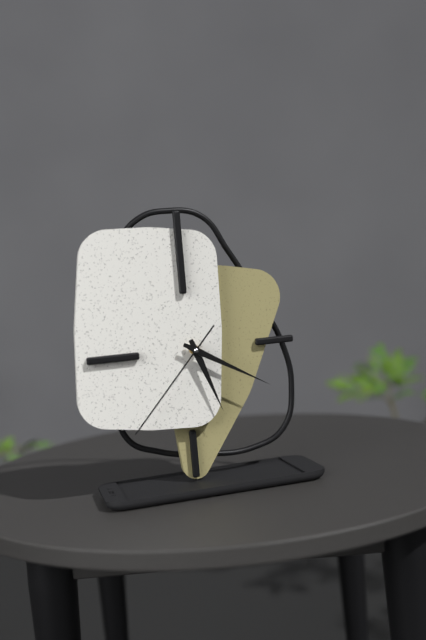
5:20:37
